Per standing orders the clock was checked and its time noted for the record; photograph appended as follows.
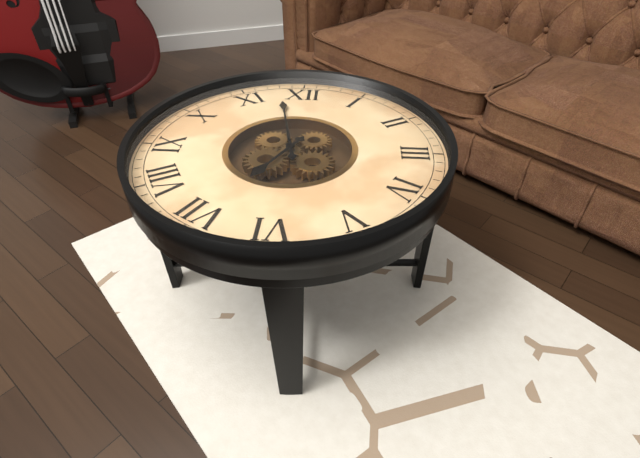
6:58
